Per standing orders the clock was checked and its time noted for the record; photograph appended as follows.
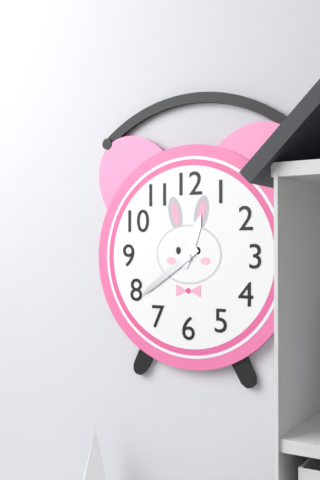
12:39
